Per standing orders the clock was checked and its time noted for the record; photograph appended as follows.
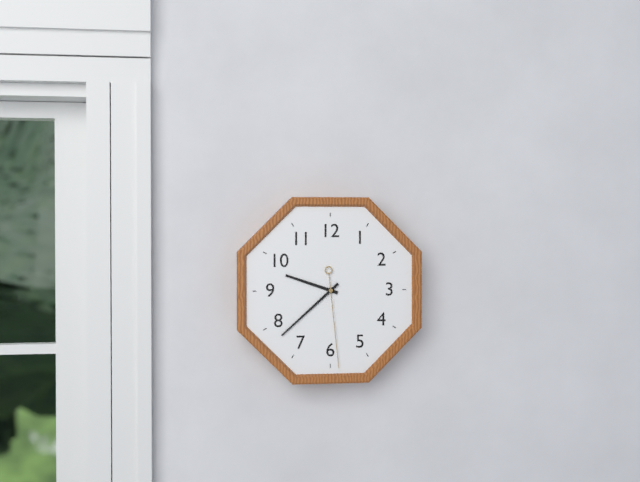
9:38:29
